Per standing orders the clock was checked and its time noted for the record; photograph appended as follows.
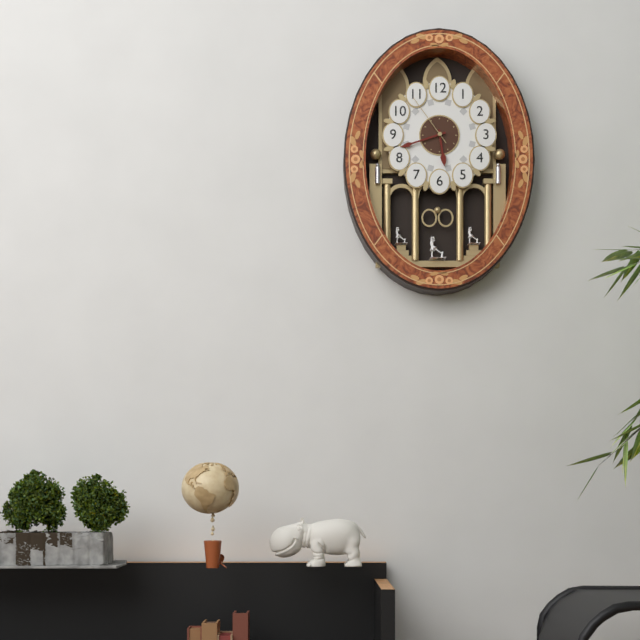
5:42:54
